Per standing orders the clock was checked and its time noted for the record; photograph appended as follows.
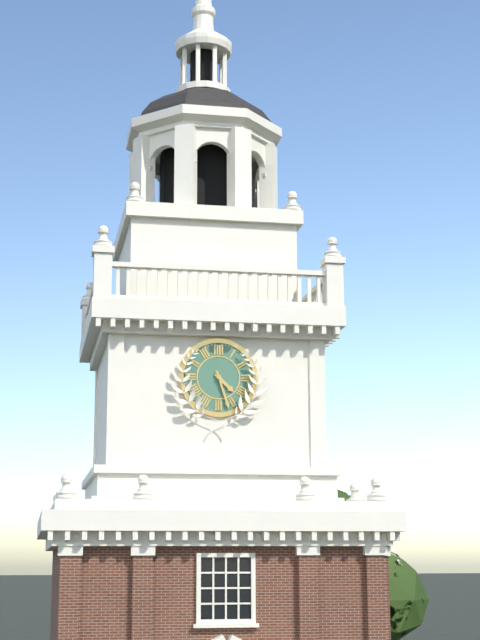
4:27
